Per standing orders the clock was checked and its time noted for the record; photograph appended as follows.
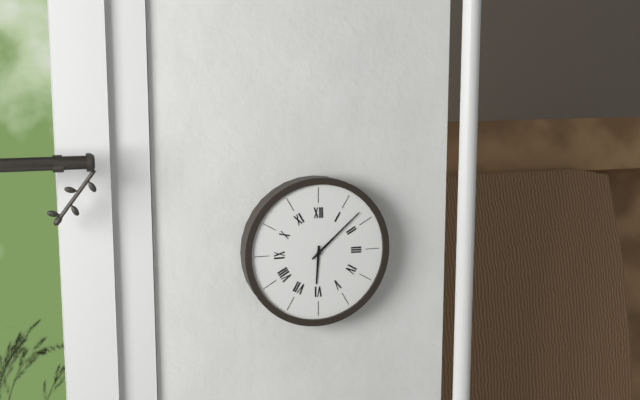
6:08
